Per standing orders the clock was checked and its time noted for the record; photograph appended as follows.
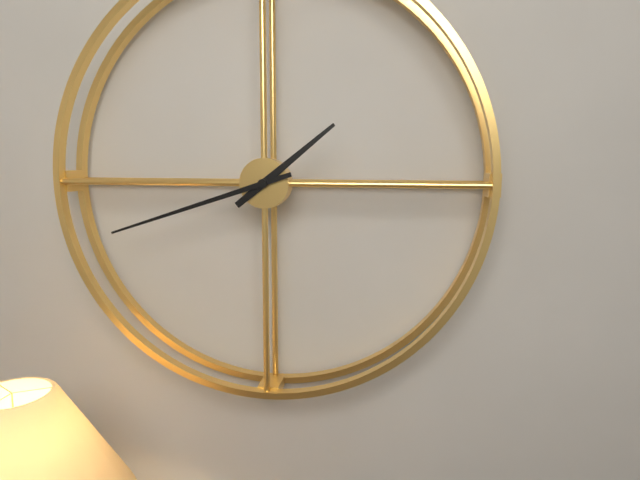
1:42
